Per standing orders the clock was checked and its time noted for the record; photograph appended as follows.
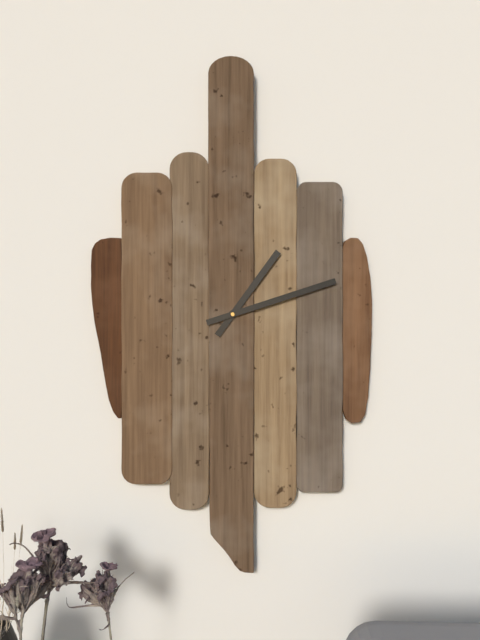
1:12
